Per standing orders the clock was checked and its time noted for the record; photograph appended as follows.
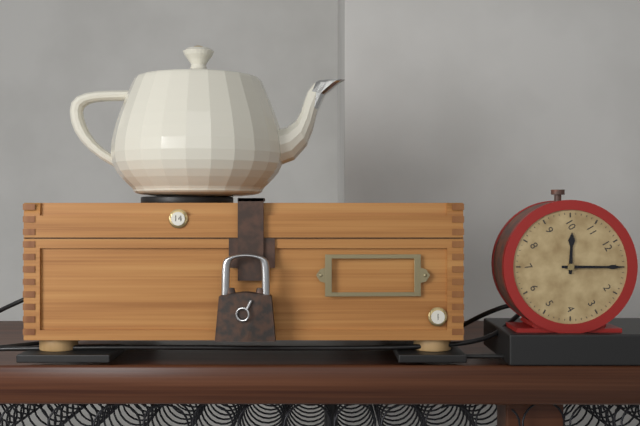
10:05
